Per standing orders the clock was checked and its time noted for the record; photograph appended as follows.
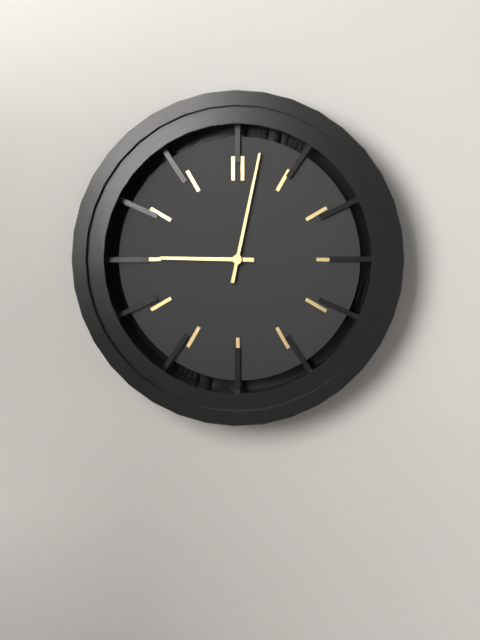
9:02
